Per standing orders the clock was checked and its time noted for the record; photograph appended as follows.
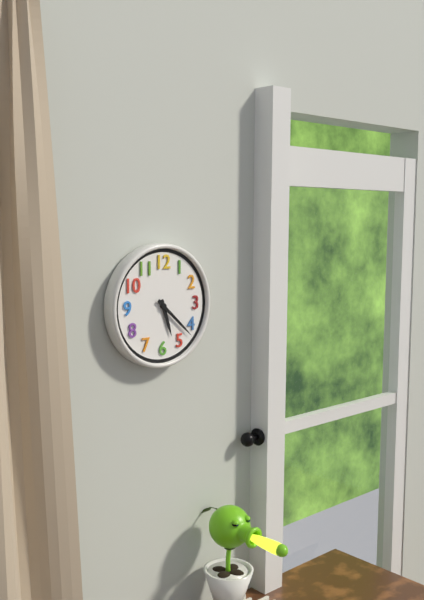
5:22
